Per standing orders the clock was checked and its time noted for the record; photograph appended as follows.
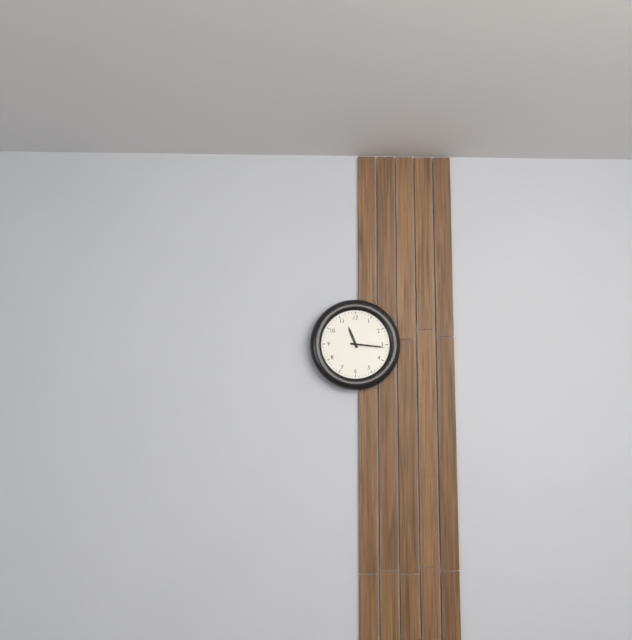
11:16
